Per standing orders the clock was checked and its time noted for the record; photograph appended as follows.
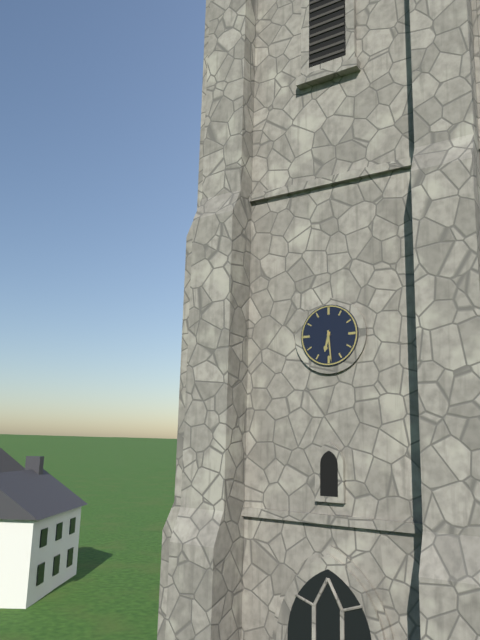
6:29
